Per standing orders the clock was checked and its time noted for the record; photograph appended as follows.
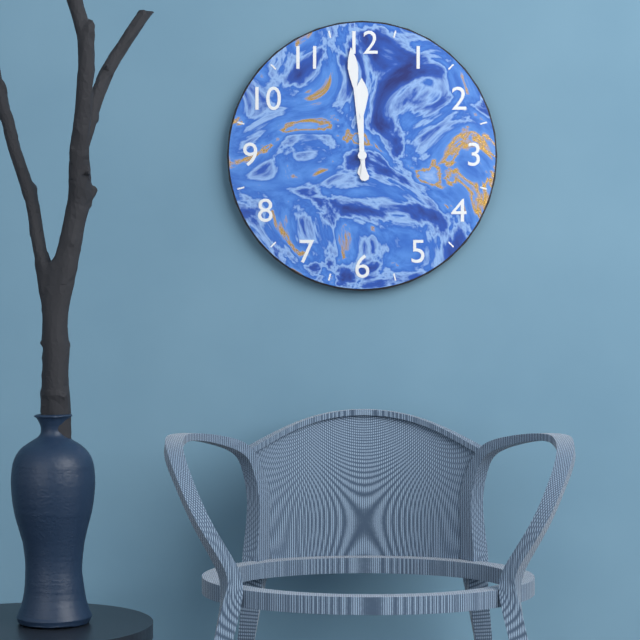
11:59
